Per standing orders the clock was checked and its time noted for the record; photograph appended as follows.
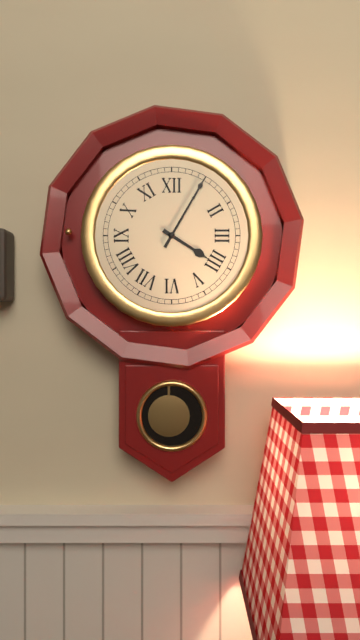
4:05
